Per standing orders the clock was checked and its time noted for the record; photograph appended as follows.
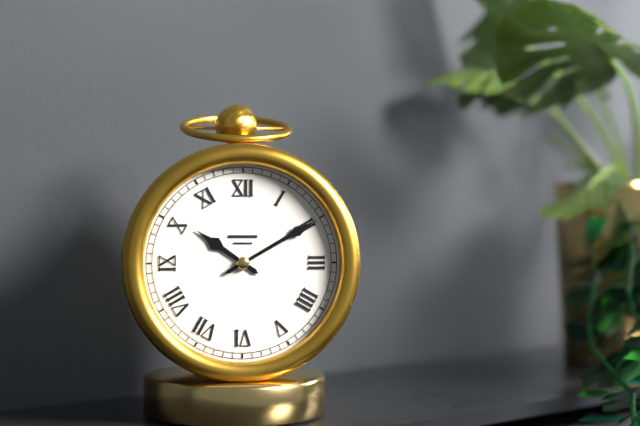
10:10
